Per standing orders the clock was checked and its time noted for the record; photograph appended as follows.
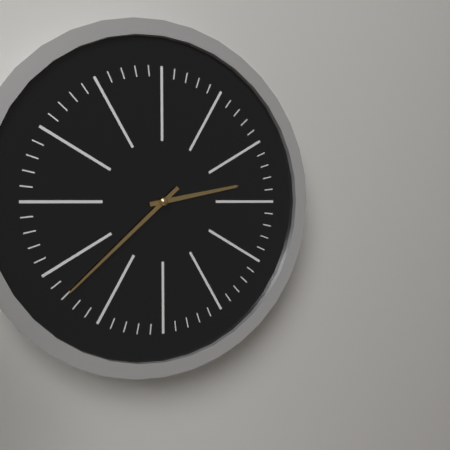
2:38
